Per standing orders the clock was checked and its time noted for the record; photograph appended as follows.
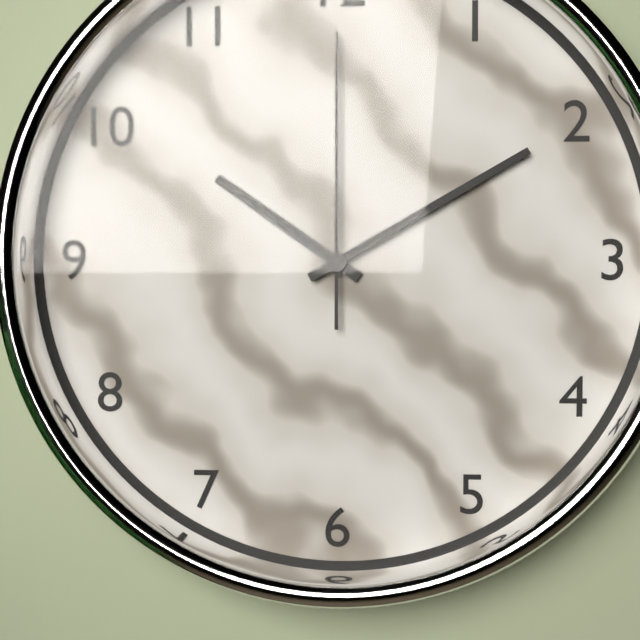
10:10:00
